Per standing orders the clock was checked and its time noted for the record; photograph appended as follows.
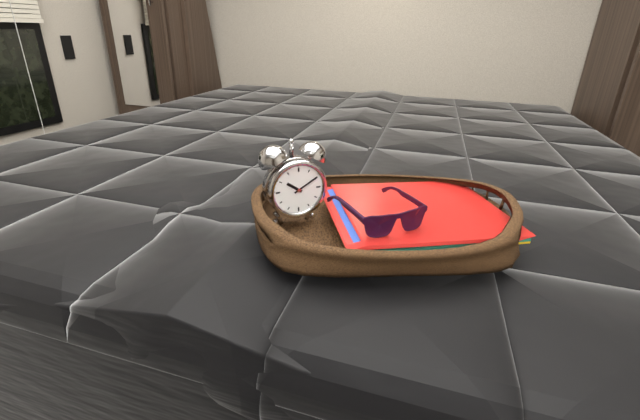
10:10
